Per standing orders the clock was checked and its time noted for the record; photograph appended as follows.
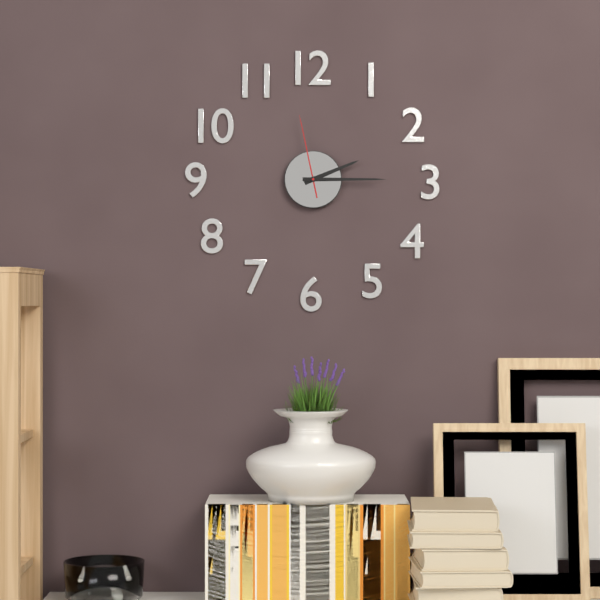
2:15:58
